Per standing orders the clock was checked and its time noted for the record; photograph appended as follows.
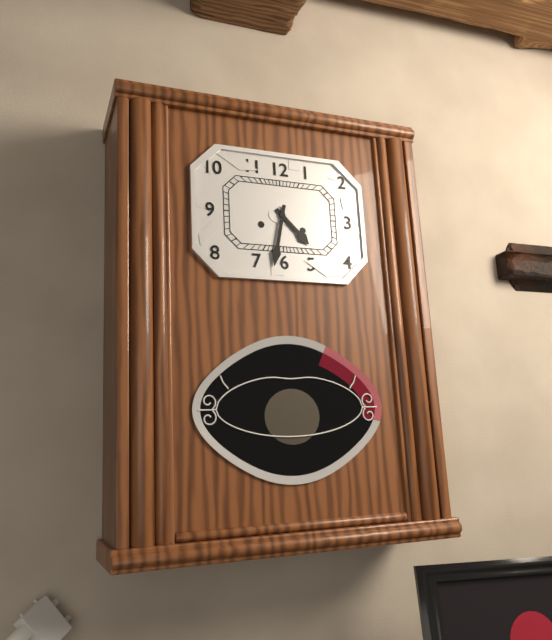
4:32
